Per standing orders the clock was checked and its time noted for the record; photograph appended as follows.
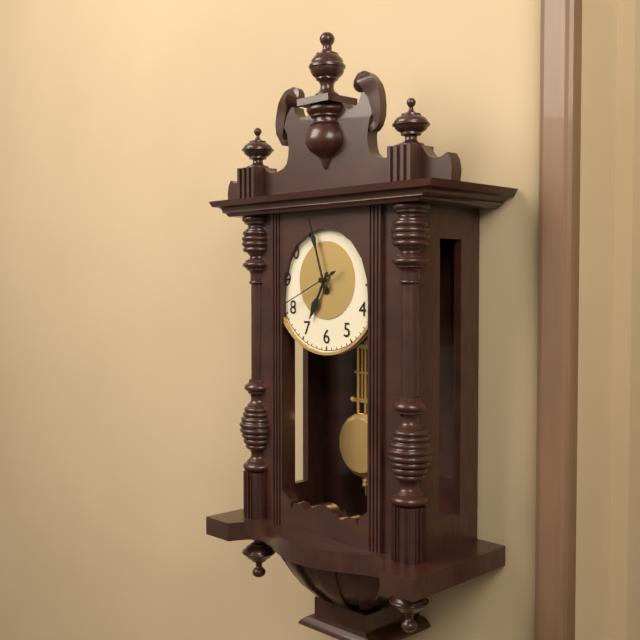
6:57:41
